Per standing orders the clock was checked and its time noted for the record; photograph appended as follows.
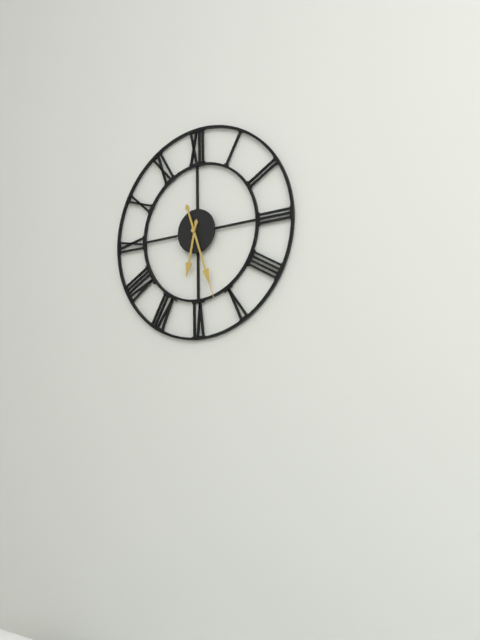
6:27
